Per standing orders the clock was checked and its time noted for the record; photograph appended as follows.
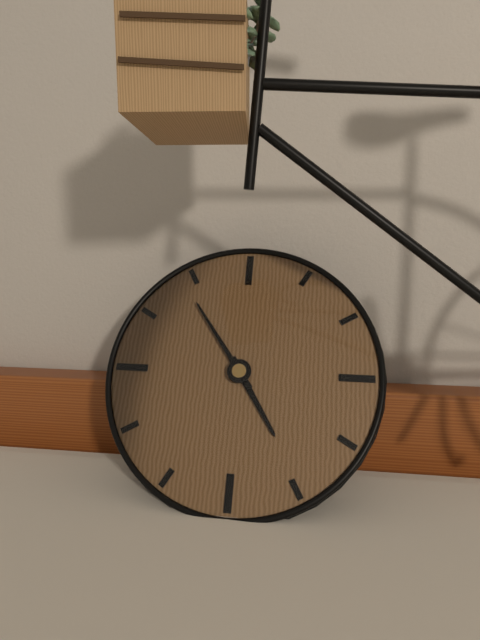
4:54
